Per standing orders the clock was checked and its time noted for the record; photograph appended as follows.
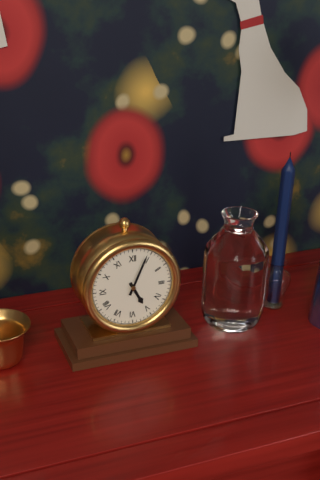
5:04
